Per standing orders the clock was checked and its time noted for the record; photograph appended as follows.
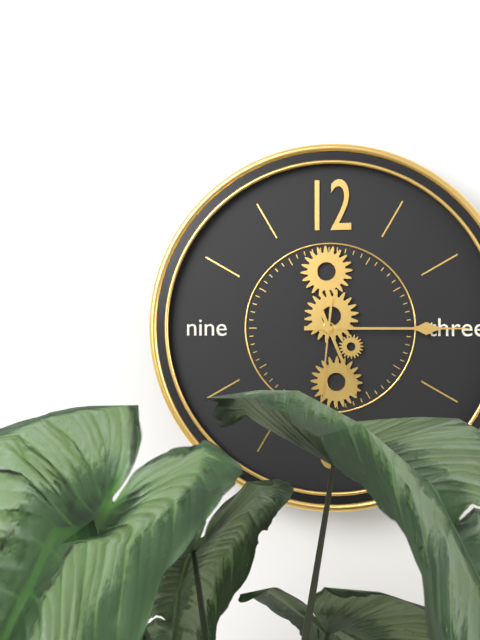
5:15:31
